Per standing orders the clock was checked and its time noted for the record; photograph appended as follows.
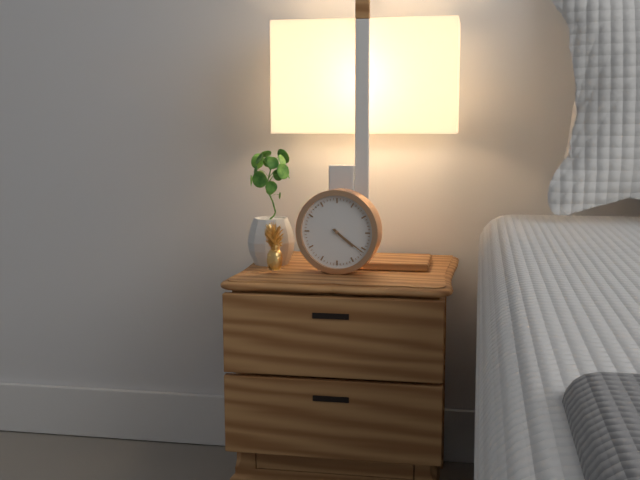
4:21
